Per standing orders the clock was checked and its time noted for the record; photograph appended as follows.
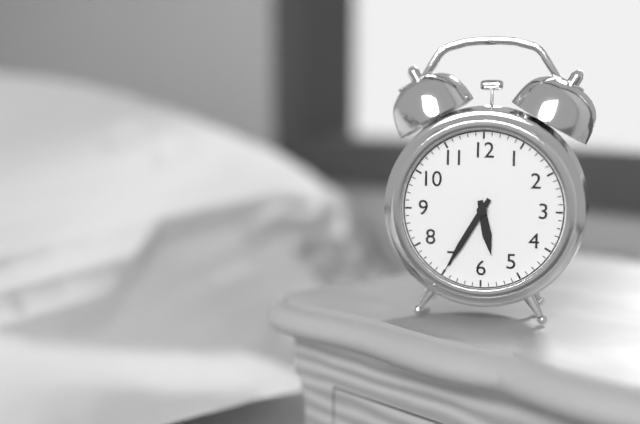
5:35
